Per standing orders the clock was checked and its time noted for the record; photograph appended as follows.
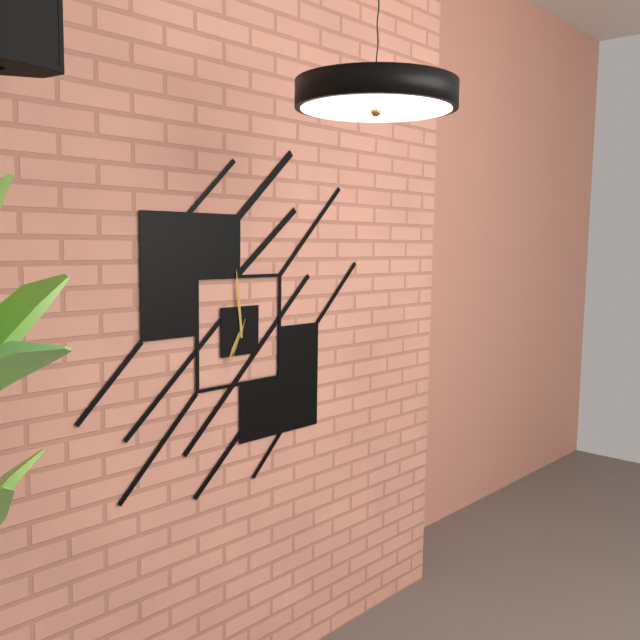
6:59:34
